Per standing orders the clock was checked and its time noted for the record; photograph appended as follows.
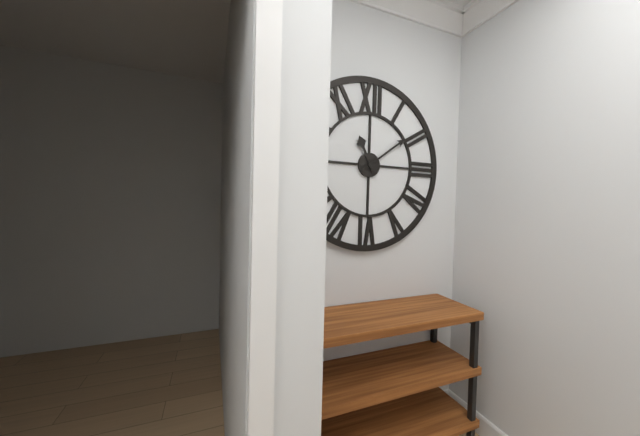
11:09
